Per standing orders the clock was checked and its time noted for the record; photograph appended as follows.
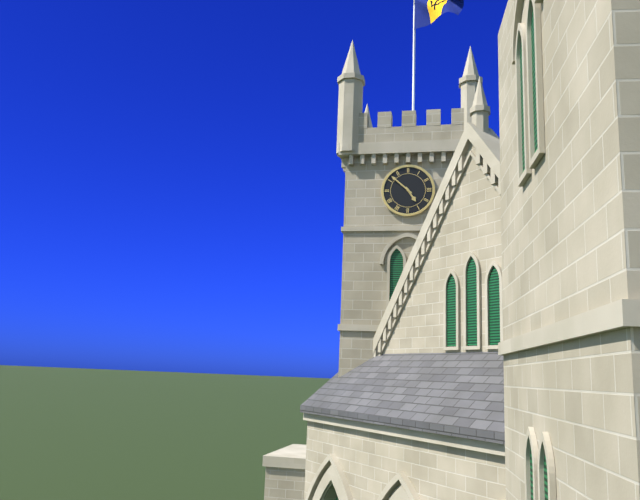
4:52
